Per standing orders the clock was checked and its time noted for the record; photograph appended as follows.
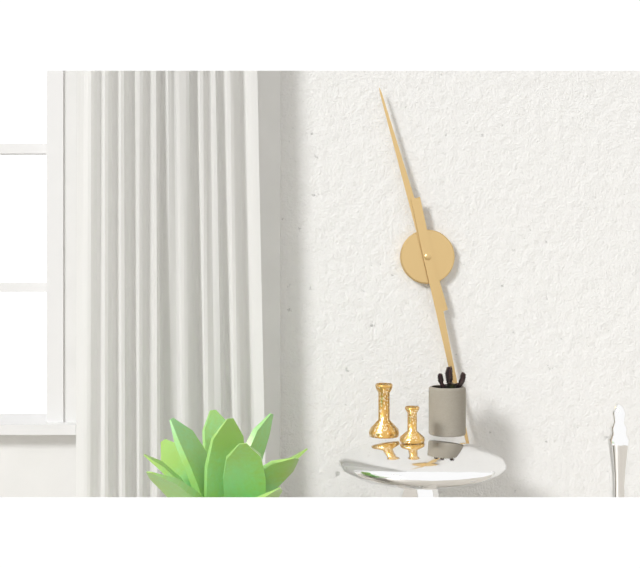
11:28
